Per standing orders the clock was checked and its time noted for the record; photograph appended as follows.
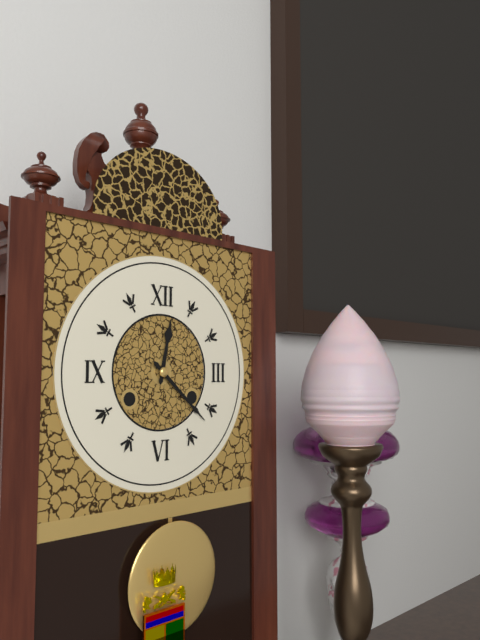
12:22
